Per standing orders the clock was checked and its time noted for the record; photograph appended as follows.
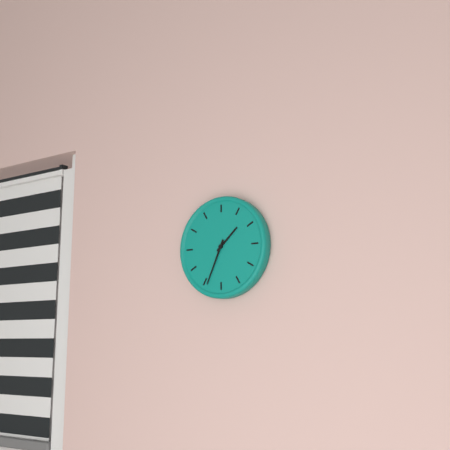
1:34
